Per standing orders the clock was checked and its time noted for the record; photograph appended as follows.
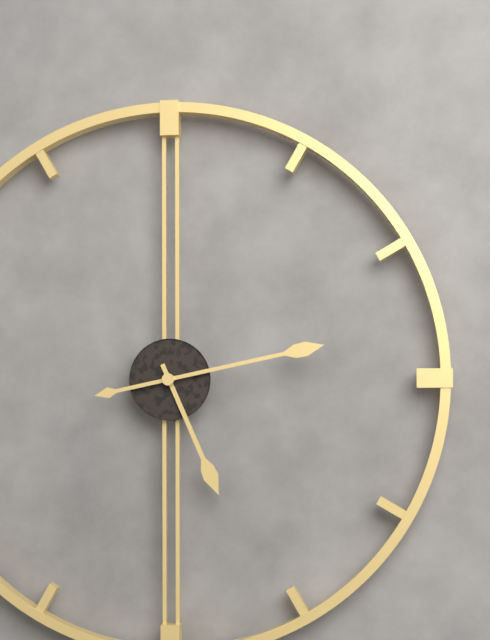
5:13
